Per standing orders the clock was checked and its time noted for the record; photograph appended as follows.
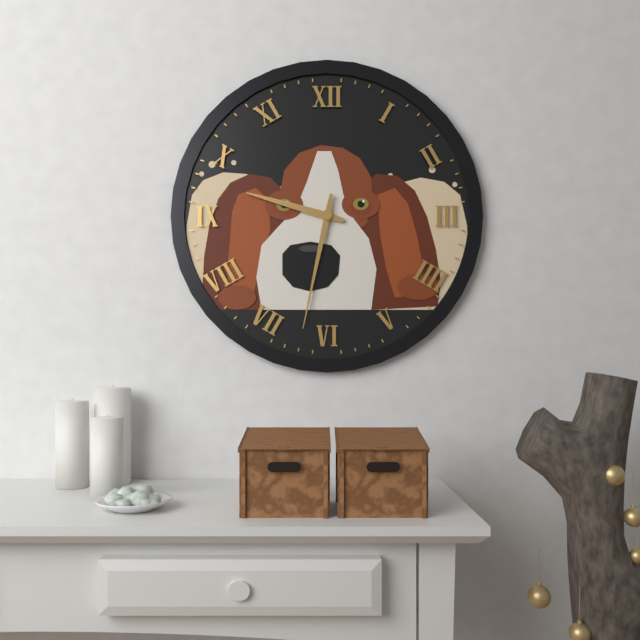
9:32
